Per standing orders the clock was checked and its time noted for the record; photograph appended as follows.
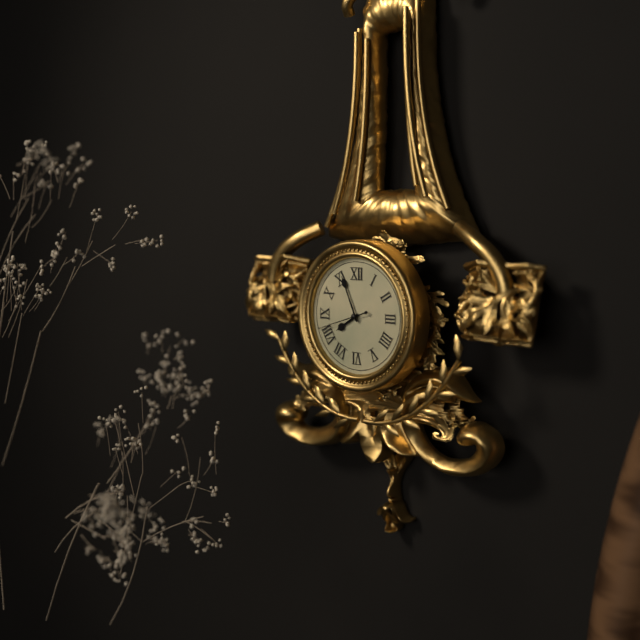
7:56
